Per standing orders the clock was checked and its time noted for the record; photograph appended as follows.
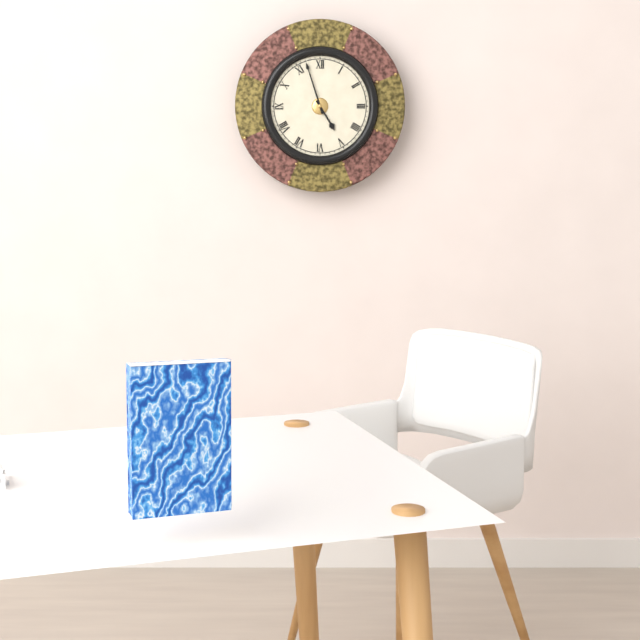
4:57
